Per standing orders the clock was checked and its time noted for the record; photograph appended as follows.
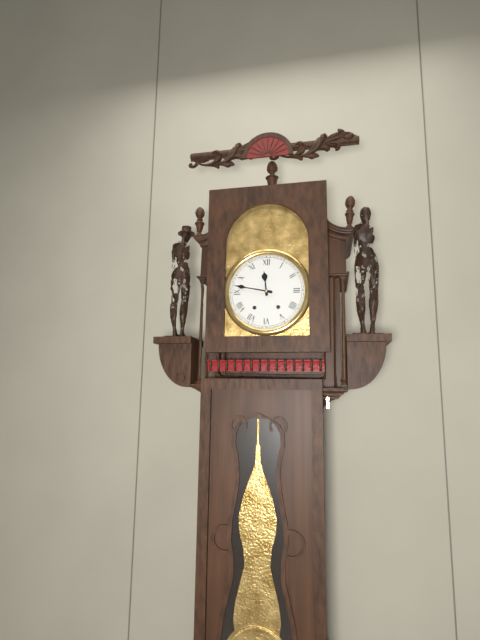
11:47
